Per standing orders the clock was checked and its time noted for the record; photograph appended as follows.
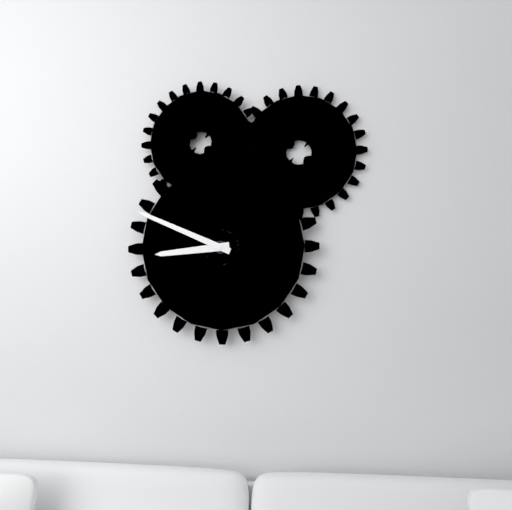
8:49
